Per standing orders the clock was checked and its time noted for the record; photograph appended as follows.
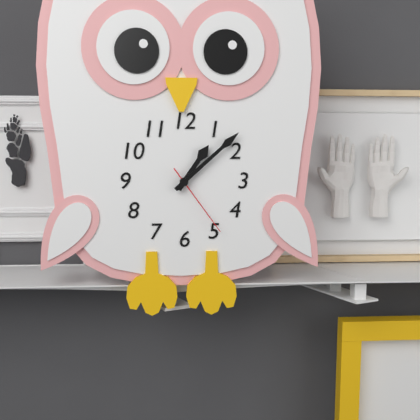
1:08:24
